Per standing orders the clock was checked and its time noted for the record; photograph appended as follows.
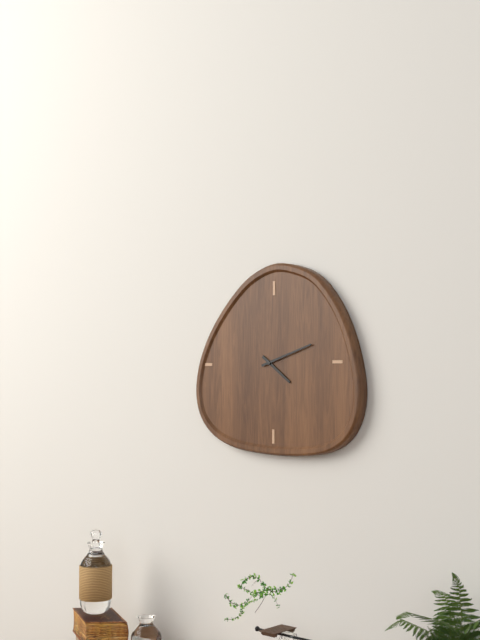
4:12
